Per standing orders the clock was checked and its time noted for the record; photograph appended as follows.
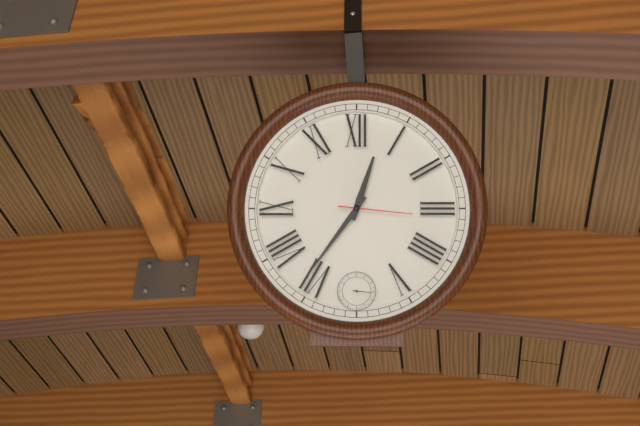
12:36:16
